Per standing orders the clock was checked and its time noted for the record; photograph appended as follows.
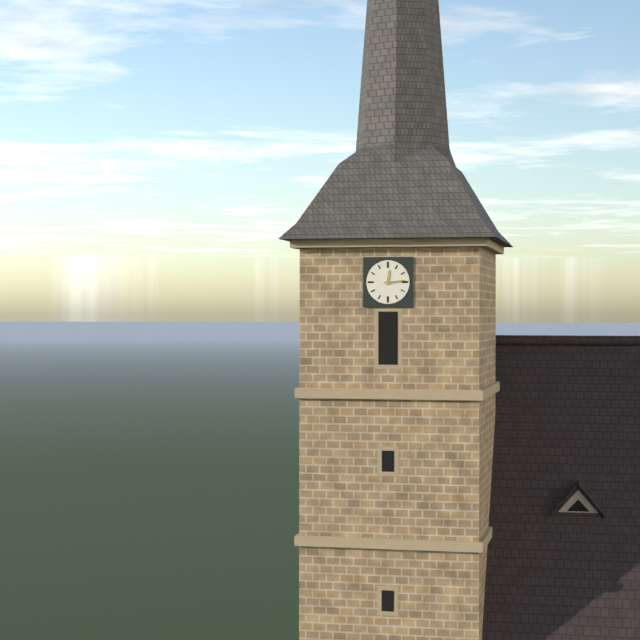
12:14
